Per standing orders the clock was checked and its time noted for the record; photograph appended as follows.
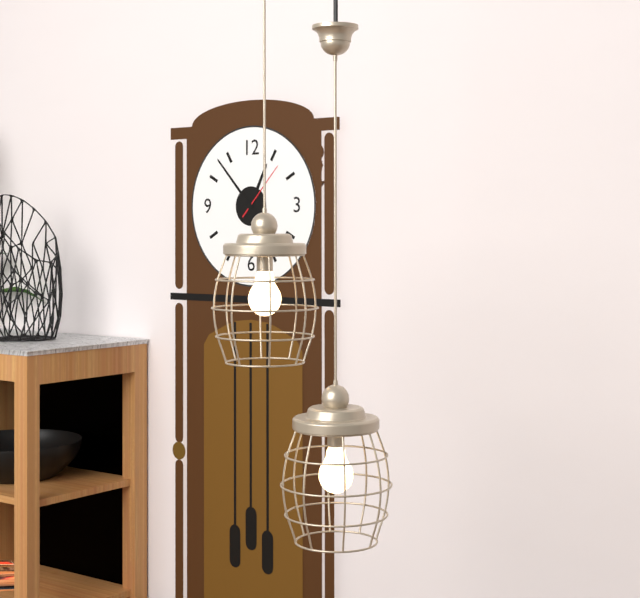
12:53:07
